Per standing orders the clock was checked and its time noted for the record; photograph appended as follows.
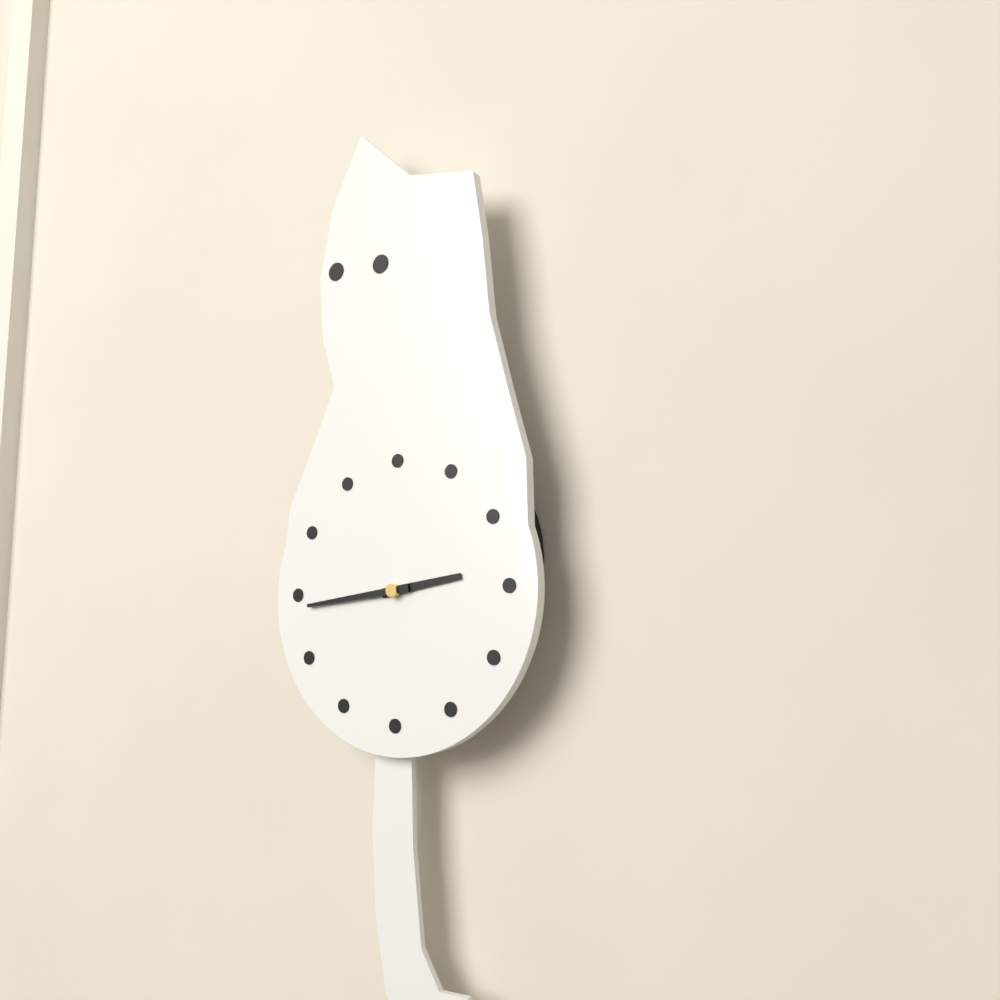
2:44
